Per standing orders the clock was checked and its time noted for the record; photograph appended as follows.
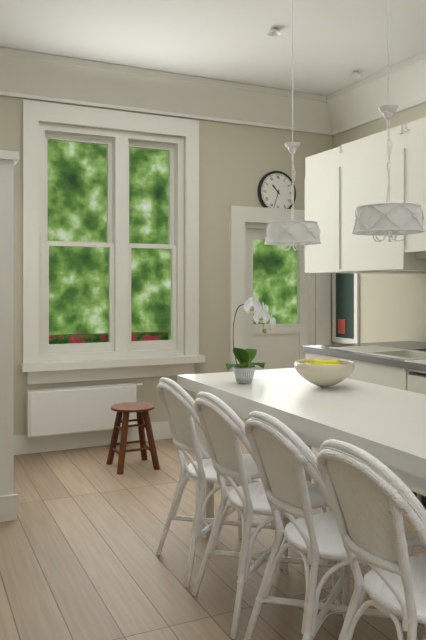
10:33
